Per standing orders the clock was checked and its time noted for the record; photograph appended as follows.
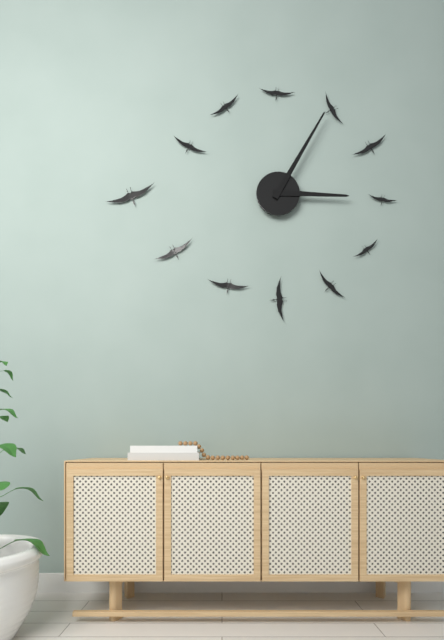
3:05
